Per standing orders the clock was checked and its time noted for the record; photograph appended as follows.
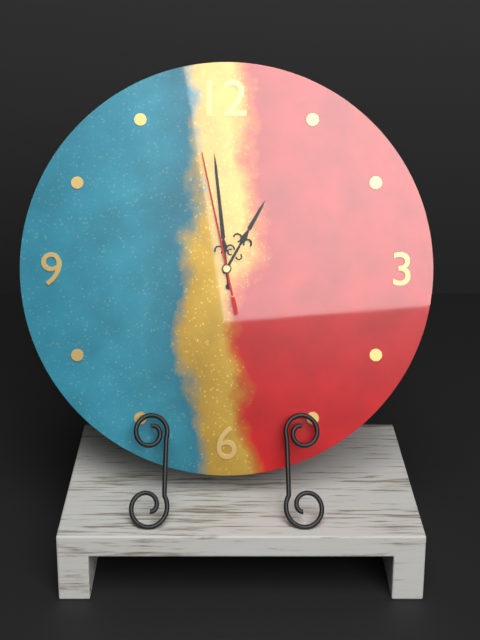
12:59:58
